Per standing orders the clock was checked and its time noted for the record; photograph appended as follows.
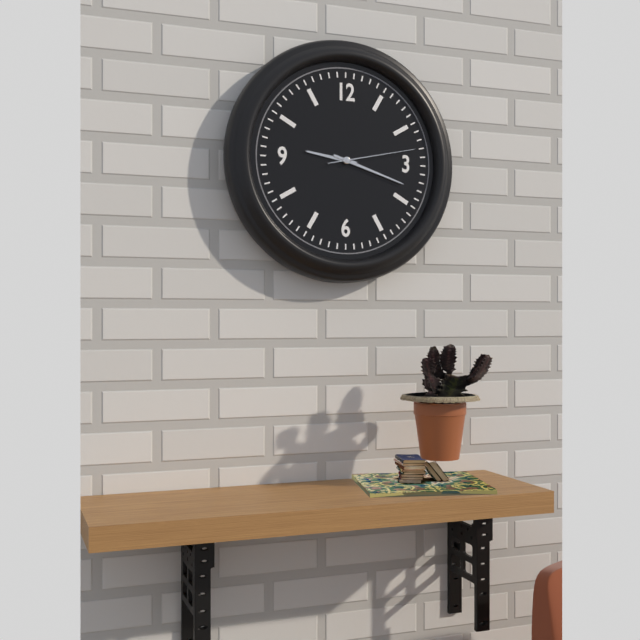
9:18:13
